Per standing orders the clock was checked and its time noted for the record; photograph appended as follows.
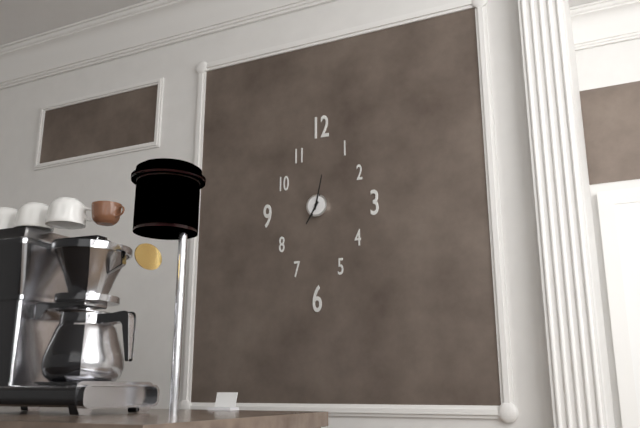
7:02
